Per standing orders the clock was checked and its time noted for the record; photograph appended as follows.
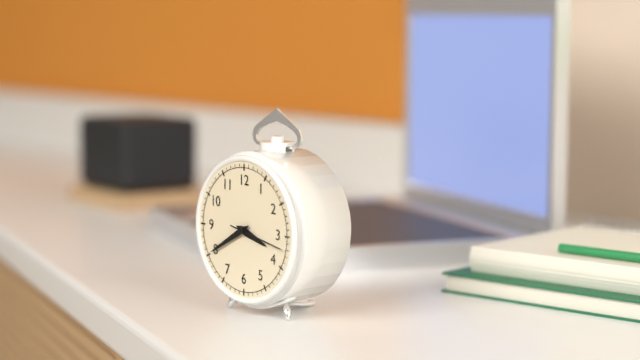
3:40:17
